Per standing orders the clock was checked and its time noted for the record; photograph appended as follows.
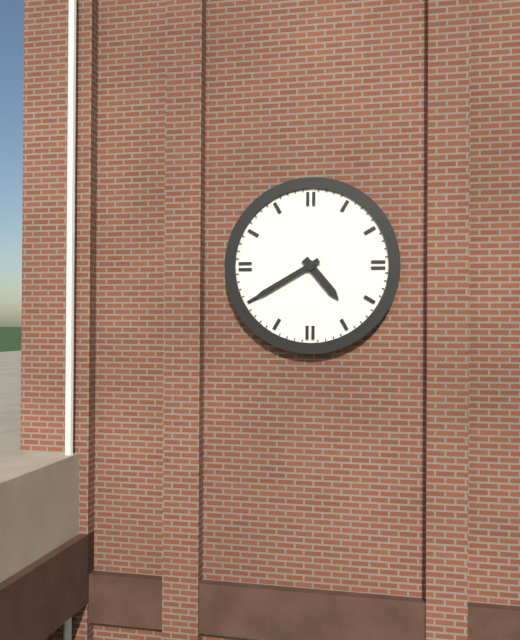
4:40
